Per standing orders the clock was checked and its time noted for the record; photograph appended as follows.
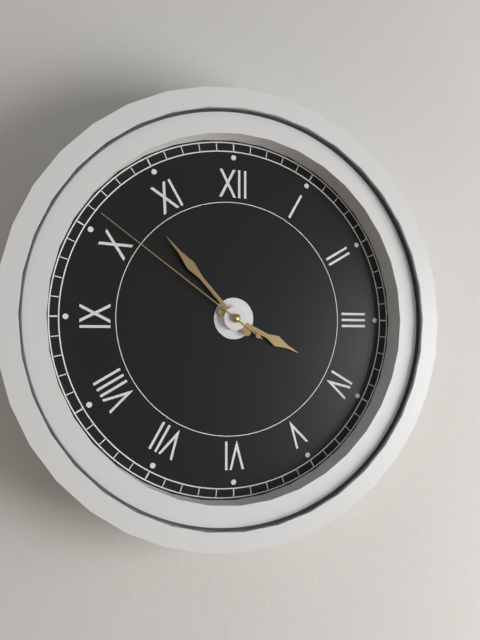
3:53:51
